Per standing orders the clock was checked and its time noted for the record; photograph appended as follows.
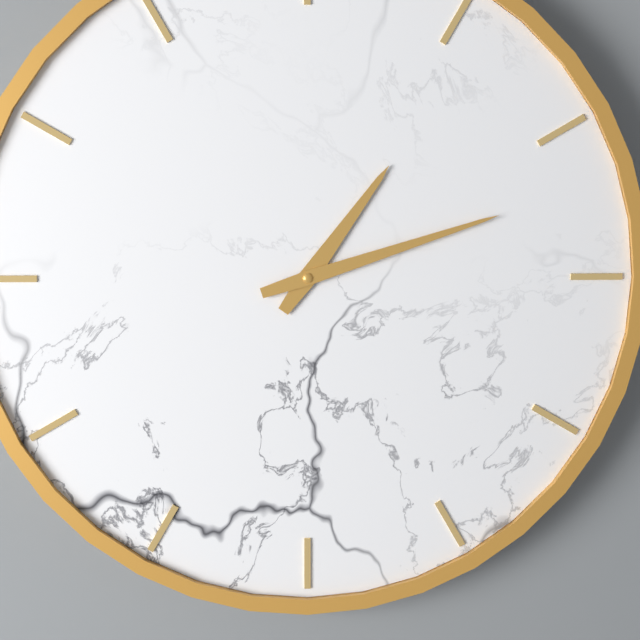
1:12
